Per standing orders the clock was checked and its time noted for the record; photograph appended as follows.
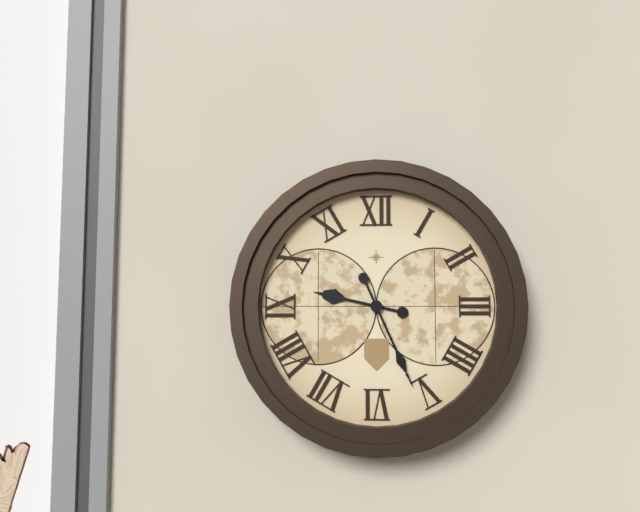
9:26
